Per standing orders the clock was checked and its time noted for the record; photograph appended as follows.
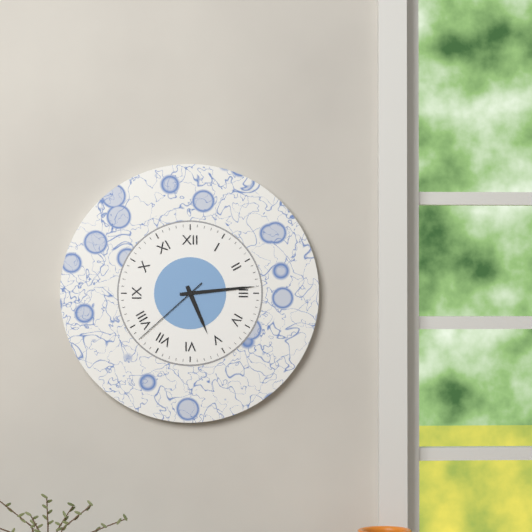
5:14:38
